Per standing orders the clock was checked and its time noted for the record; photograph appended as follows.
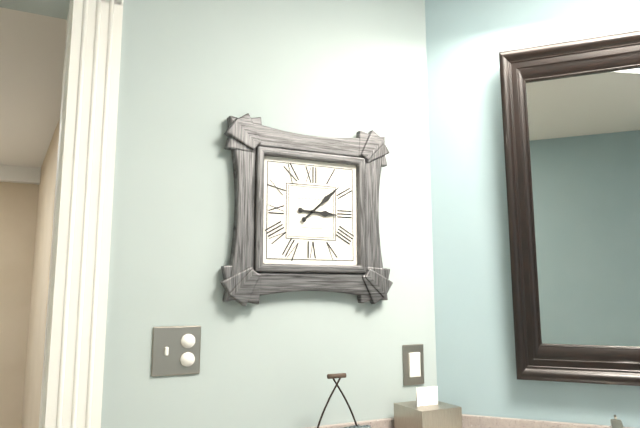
3:08
